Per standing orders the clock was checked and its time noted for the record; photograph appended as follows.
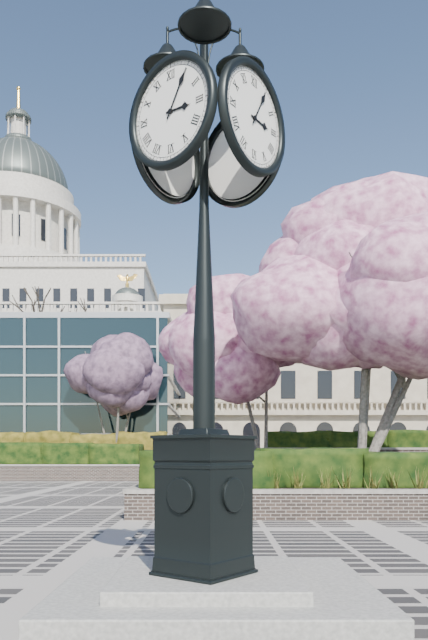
3:05
